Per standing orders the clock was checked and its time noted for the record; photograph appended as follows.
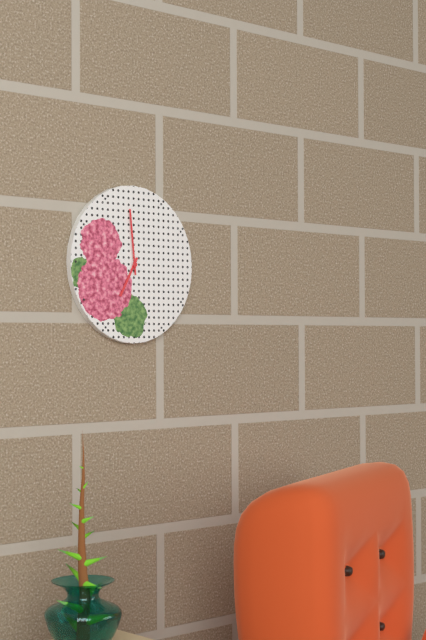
6:59
